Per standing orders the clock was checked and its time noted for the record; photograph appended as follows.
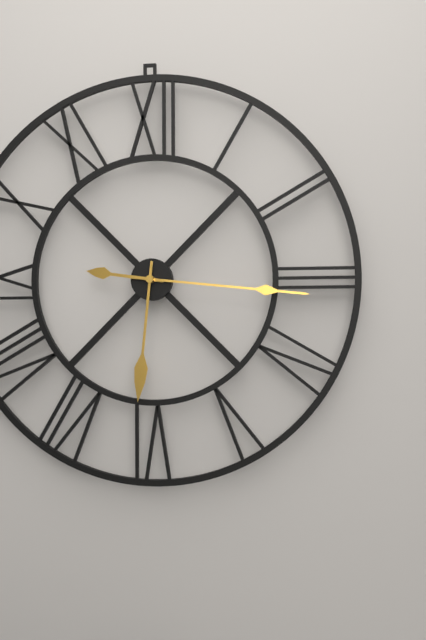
9:16:31
